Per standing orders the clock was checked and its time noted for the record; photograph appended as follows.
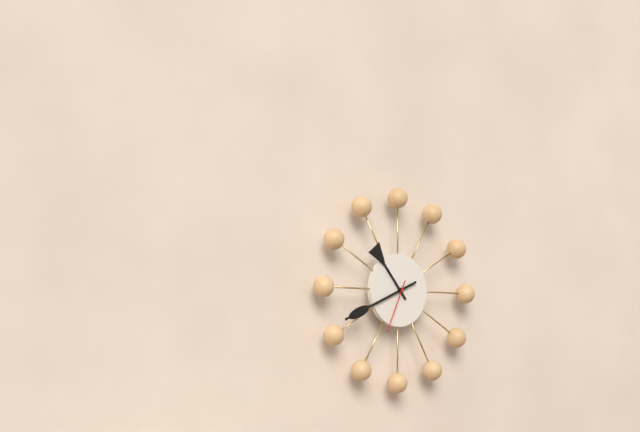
10:41:34
